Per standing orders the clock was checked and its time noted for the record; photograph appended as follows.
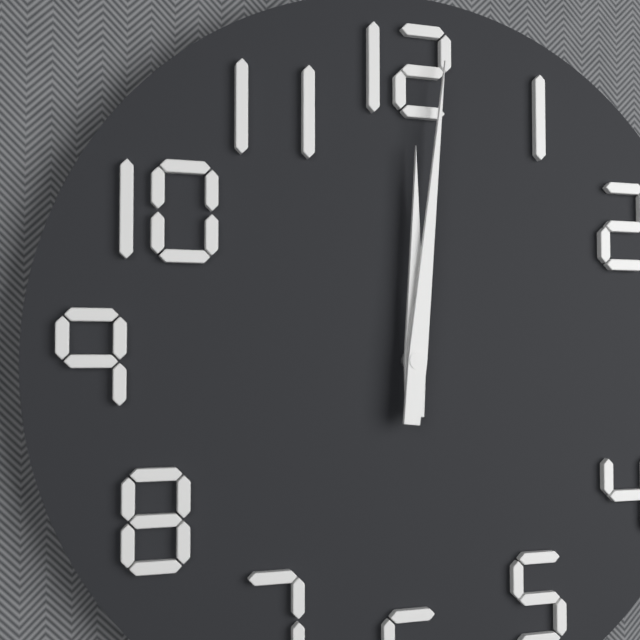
12:01
